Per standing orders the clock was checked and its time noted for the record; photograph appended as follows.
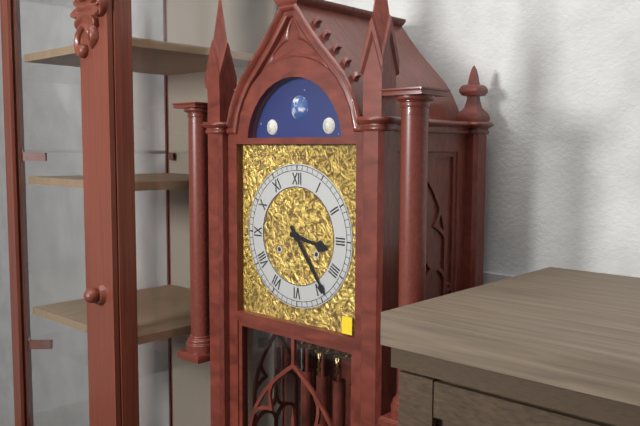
3:24
